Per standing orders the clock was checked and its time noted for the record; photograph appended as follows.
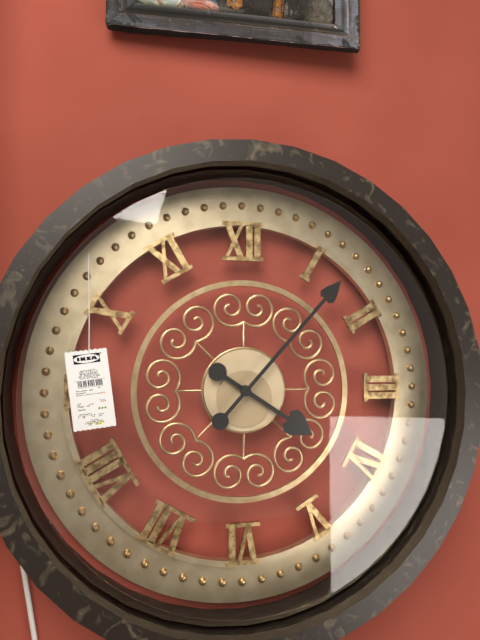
4:07
